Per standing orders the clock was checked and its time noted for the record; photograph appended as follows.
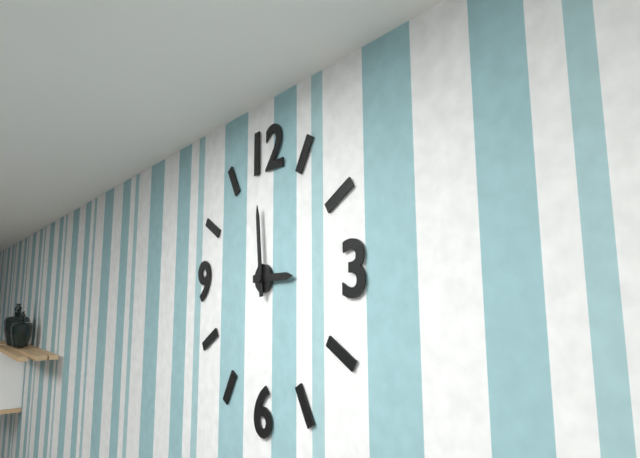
2:59
